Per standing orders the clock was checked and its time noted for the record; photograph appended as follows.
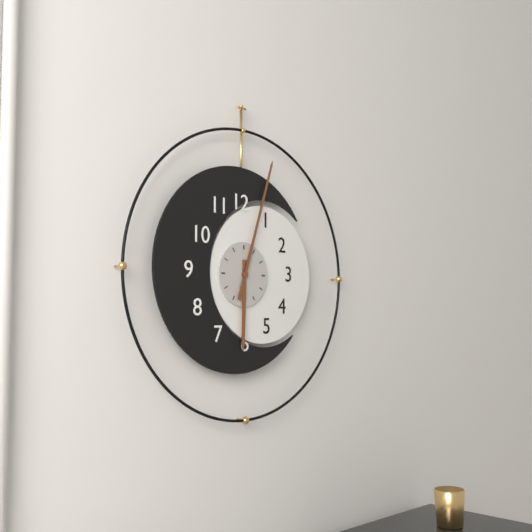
6:03
